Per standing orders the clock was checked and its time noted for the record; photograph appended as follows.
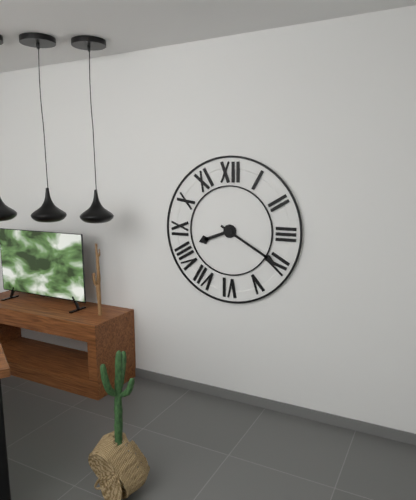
8:20
